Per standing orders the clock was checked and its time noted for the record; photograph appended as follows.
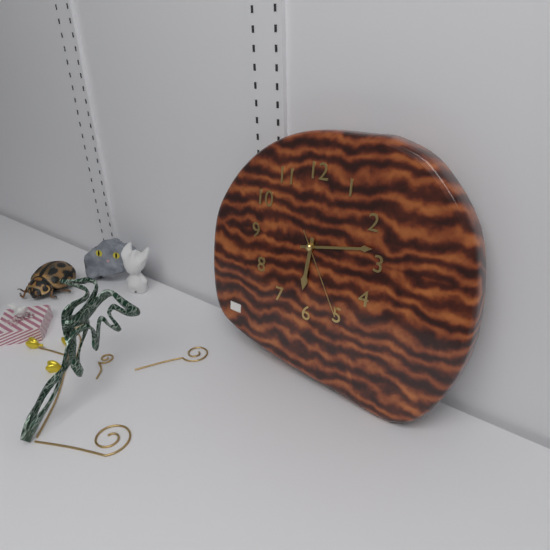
6:13:25
